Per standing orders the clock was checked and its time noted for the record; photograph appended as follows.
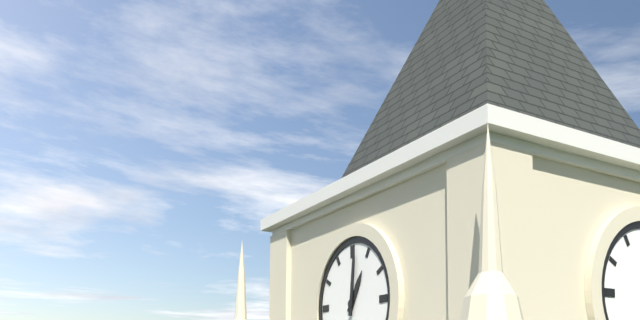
1:01
